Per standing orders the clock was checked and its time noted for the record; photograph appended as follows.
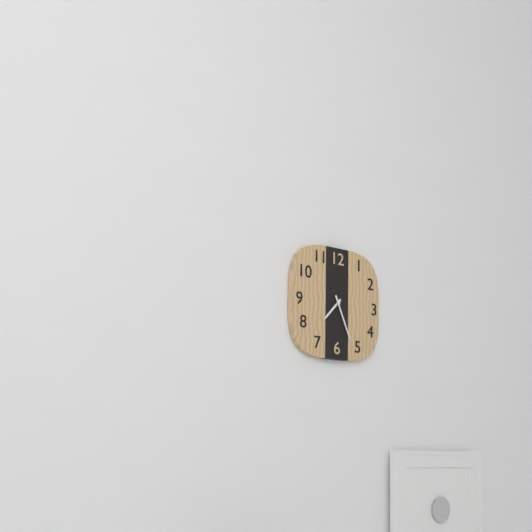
7:26
